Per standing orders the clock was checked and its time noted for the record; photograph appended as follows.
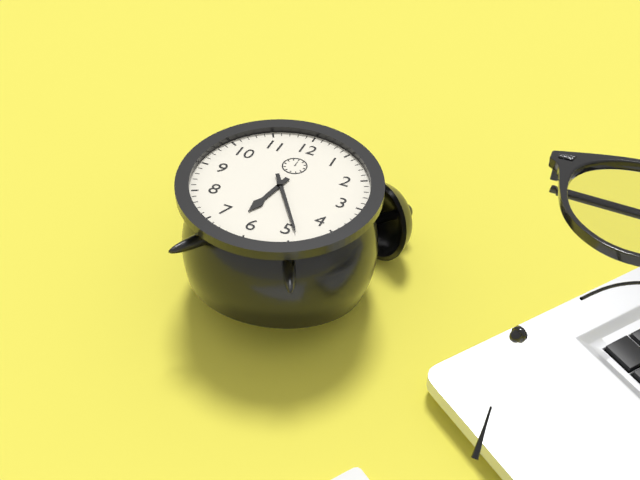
6:24
